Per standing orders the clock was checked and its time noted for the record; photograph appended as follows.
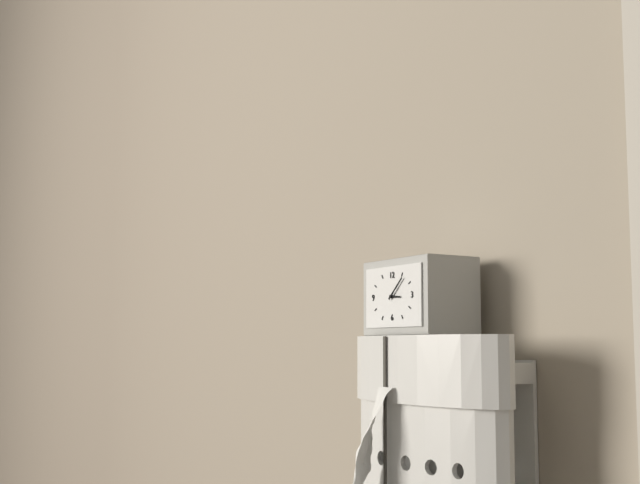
3:08
